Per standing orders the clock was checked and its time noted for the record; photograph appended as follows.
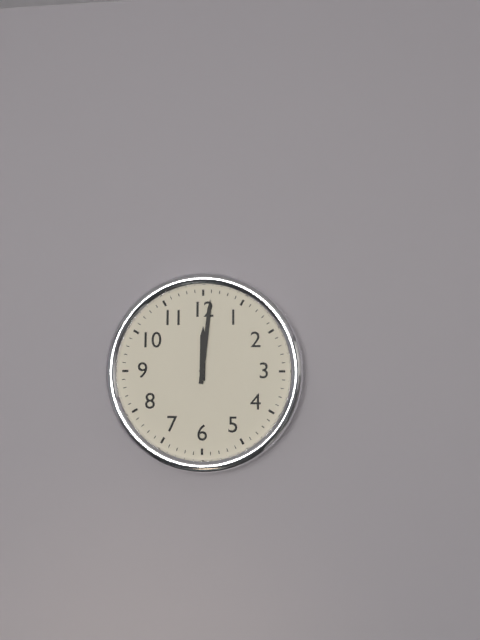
12:01
